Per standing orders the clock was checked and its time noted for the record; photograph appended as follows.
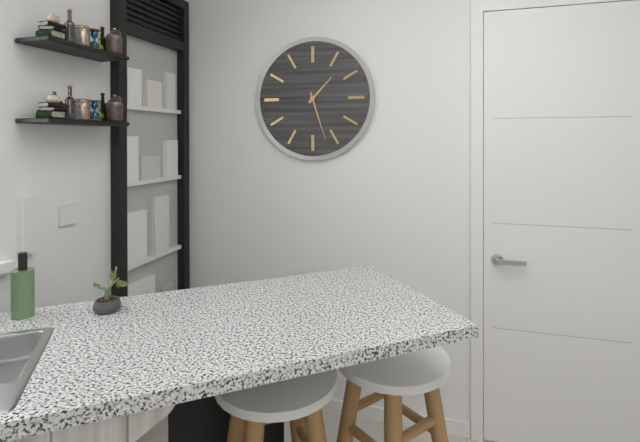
1:27
